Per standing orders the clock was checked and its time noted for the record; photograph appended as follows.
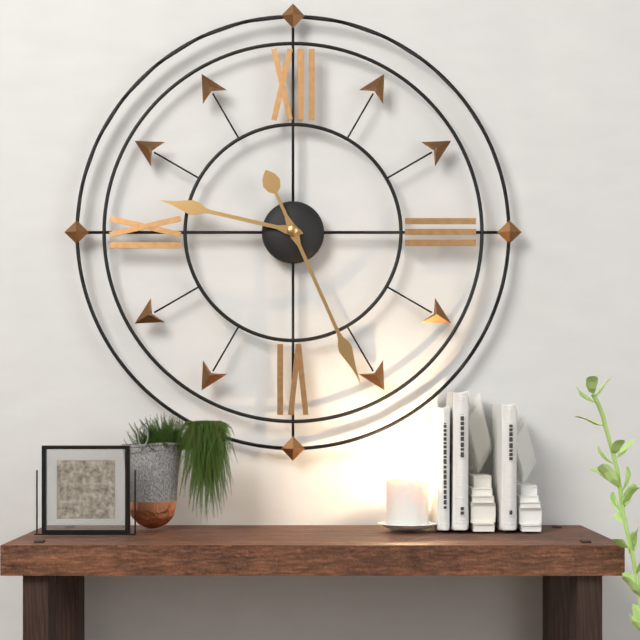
9:26
